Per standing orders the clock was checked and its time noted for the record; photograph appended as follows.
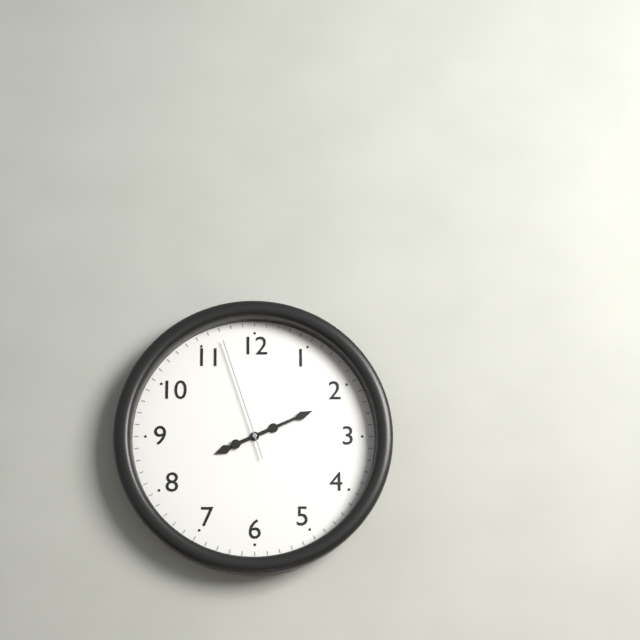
8:11:57
